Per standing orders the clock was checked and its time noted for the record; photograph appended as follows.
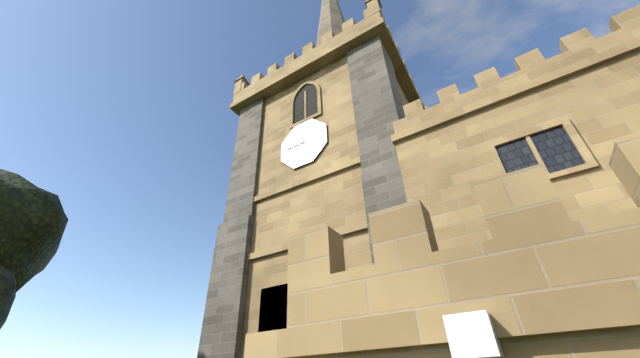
2:45
